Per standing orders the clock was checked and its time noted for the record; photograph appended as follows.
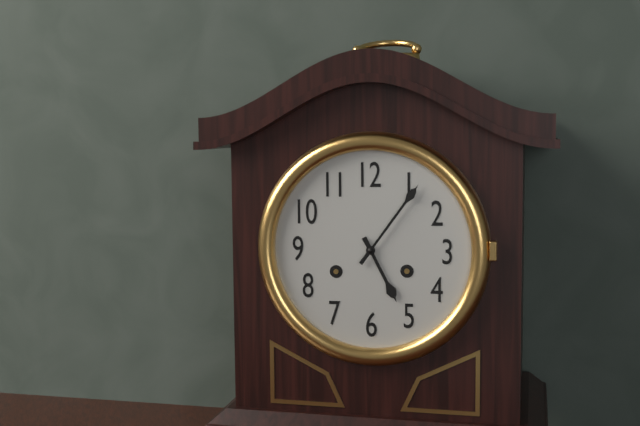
5:06
